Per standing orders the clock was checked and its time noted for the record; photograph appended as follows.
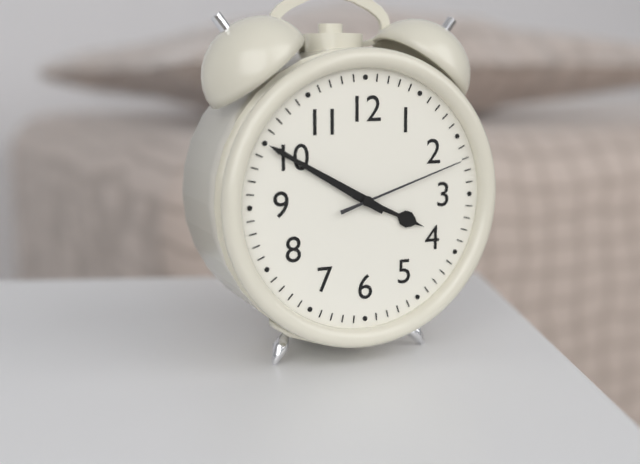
3:50:12
